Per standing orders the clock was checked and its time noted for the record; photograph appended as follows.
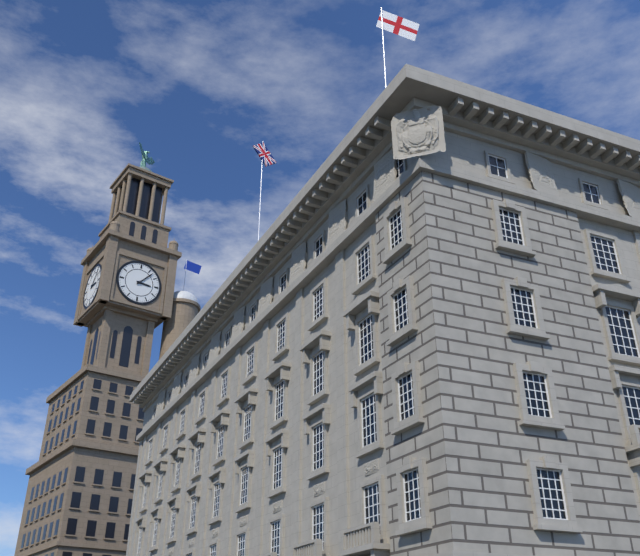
3:07
